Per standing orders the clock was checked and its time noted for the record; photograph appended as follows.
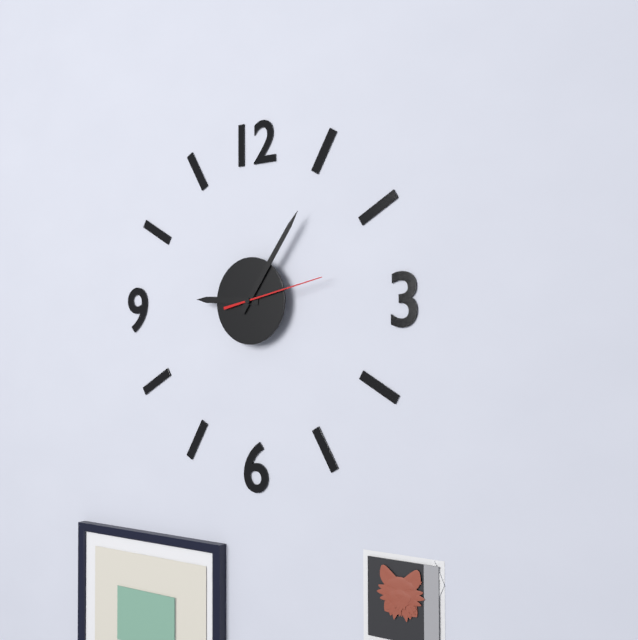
9:06:13
